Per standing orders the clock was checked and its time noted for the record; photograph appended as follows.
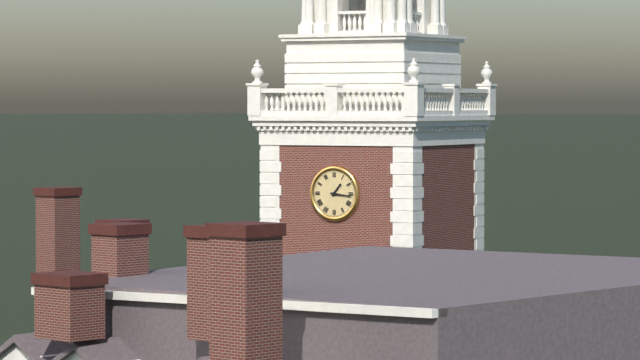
1:16
